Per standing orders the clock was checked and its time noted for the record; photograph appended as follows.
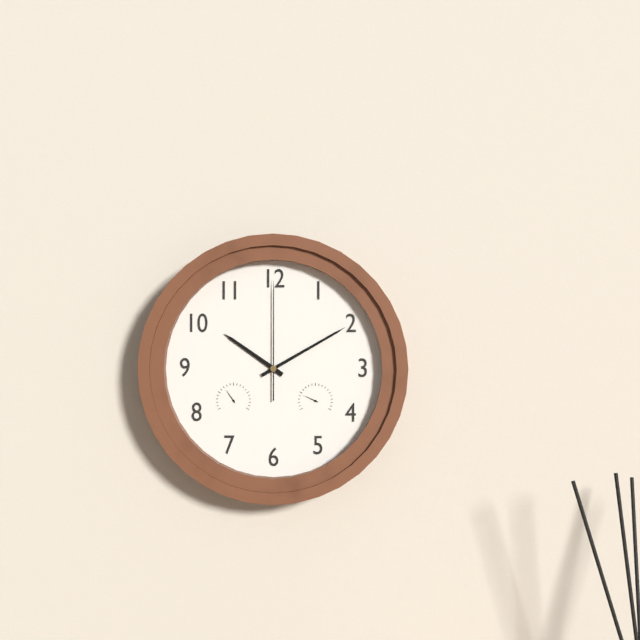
10:10:00
